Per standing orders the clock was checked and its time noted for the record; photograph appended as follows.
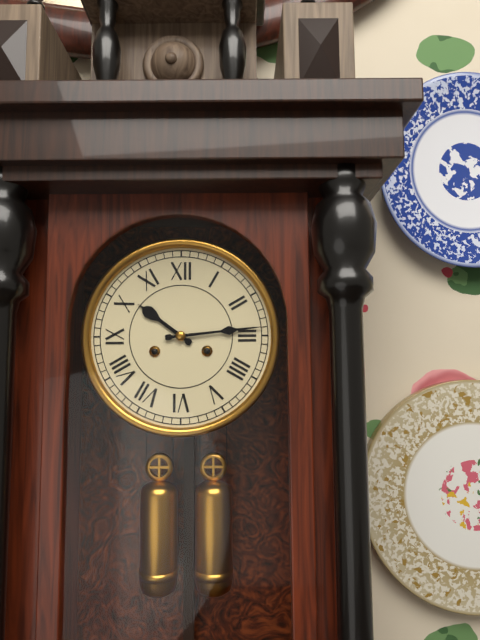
10:14
